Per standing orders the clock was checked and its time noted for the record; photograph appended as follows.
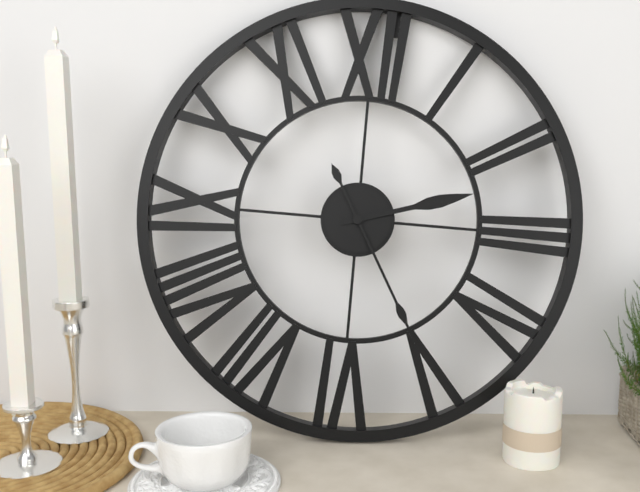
2:25
